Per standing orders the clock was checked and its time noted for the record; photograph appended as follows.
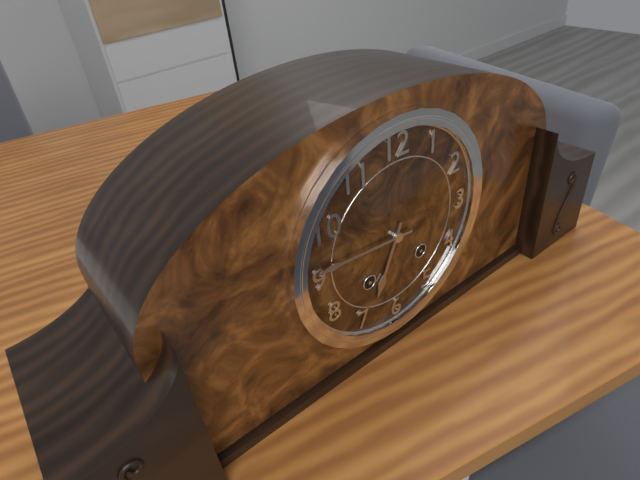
6:46
